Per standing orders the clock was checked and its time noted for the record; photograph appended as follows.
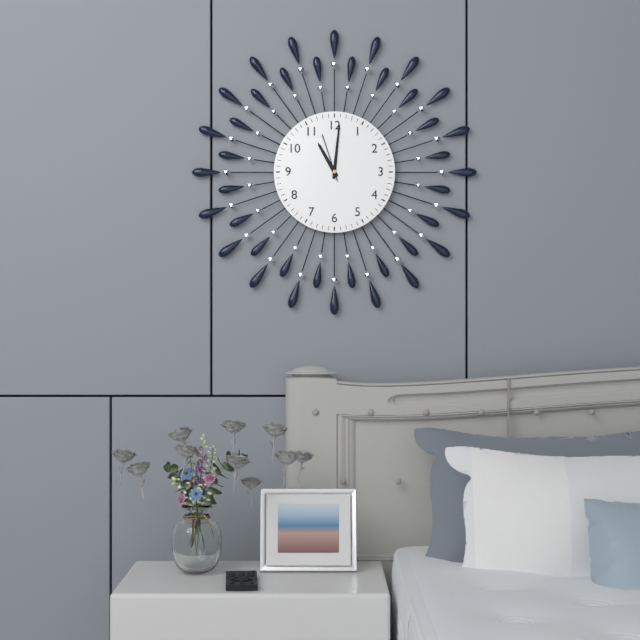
11:01:57
